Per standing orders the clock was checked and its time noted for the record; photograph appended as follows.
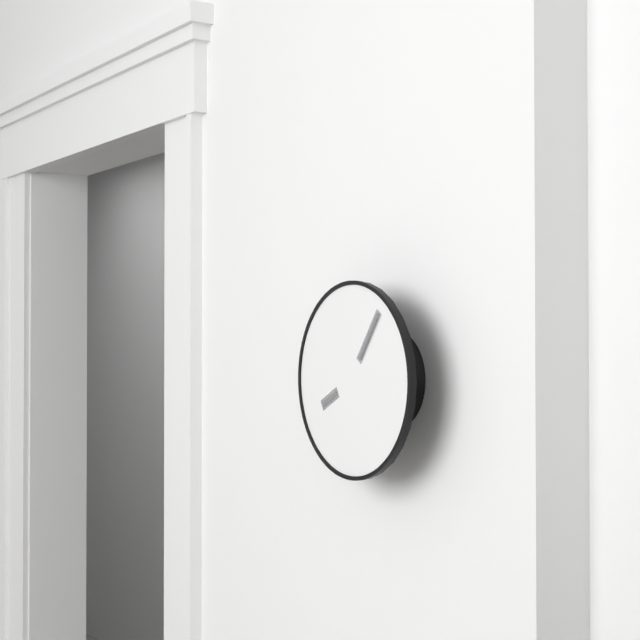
8:06
